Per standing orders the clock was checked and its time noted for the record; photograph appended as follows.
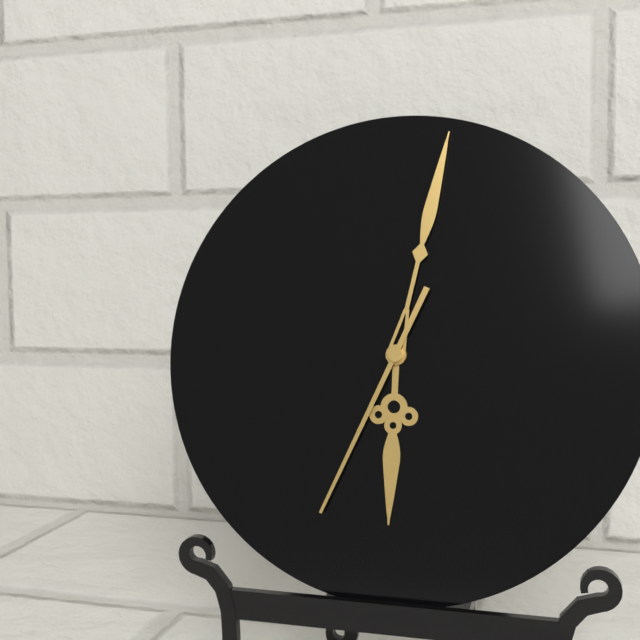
6:02:34
